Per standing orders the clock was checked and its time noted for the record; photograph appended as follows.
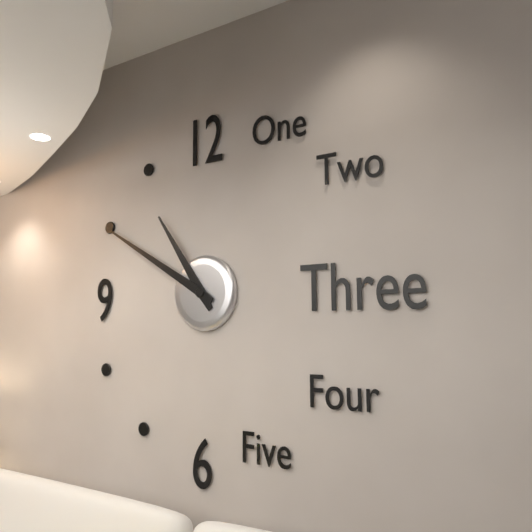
10:50
